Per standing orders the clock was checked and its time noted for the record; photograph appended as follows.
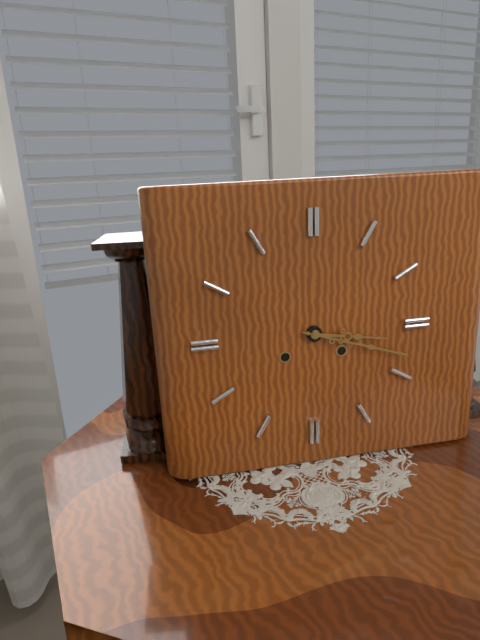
3:18
